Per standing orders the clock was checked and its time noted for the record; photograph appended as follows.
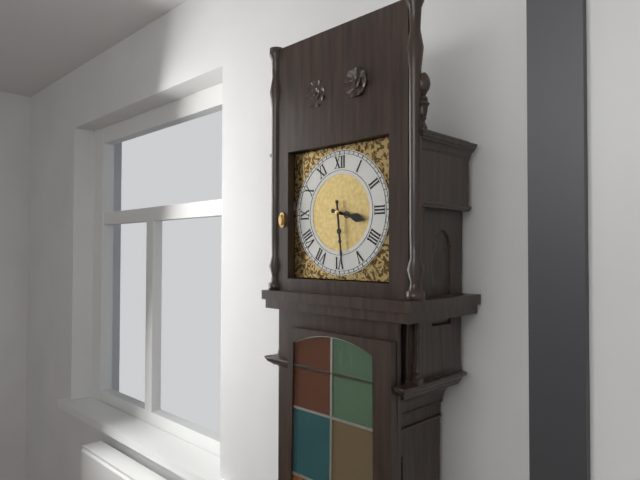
3:29
